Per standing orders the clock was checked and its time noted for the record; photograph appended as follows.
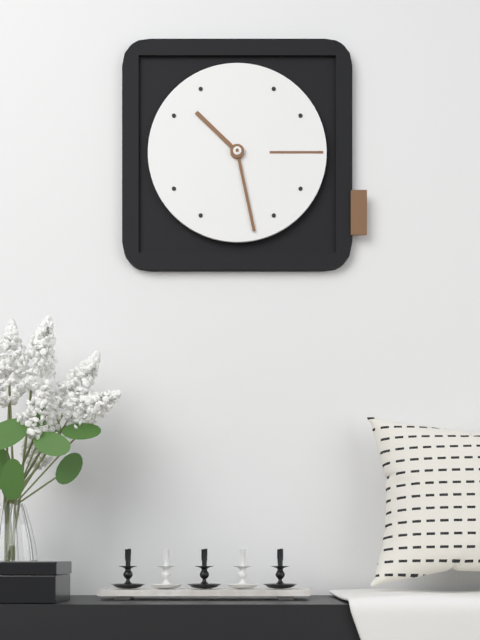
10:28
